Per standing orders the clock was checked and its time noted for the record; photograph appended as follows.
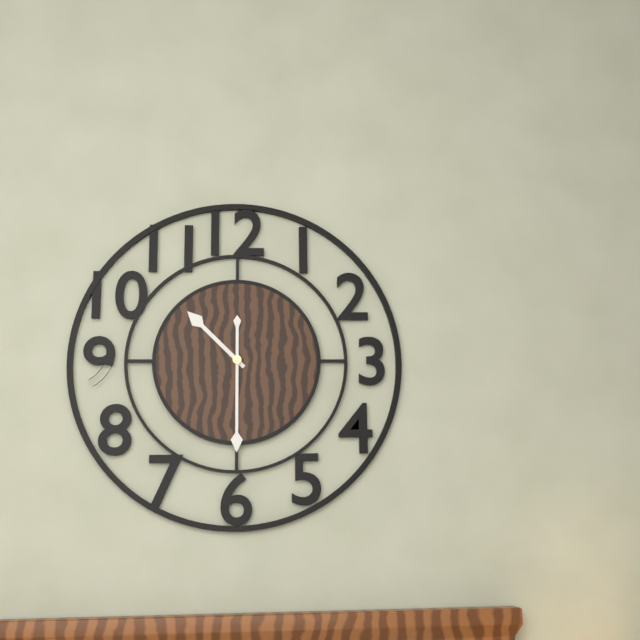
10:30
